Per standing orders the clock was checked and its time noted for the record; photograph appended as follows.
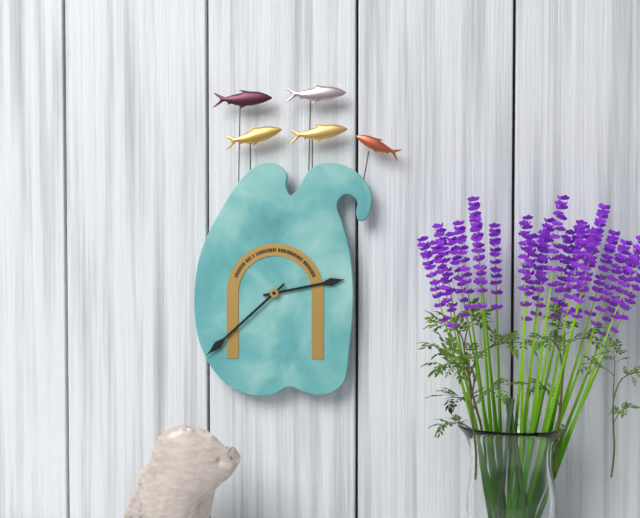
2:38
